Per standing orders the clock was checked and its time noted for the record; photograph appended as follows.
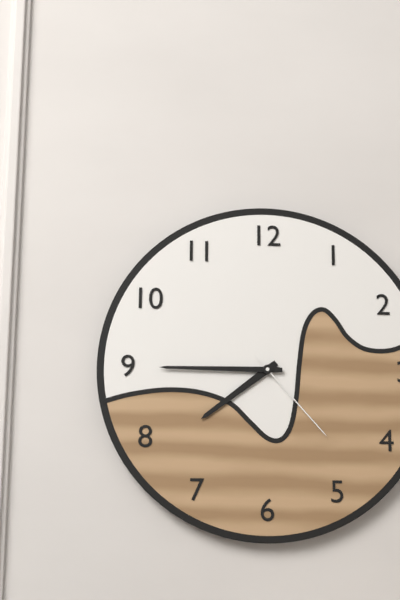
7:45:23
